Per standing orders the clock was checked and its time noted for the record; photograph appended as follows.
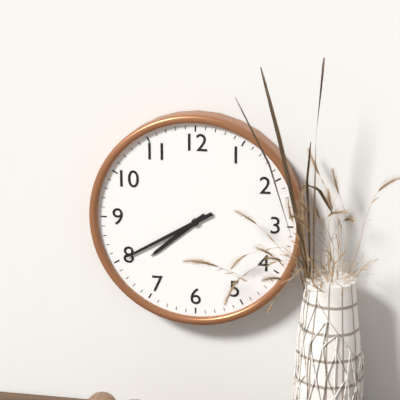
7:40
